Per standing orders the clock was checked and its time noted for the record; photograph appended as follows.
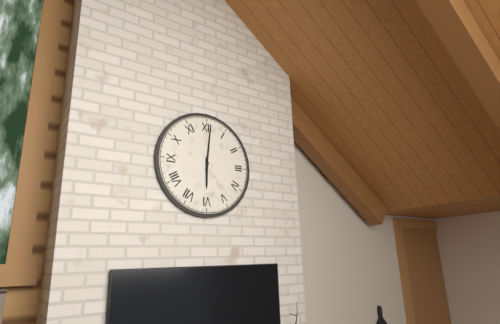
6:01
